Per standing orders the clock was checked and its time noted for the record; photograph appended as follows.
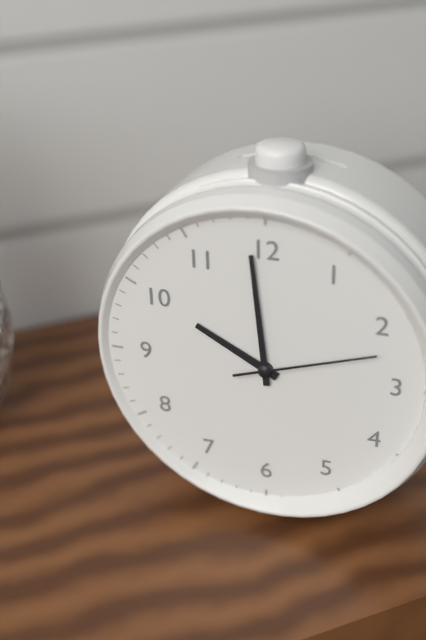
9:59:12
